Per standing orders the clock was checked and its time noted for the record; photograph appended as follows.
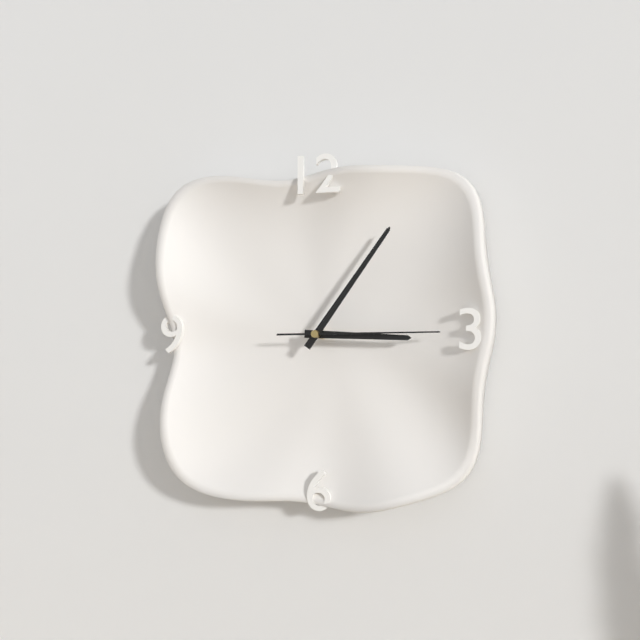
3:06:15
